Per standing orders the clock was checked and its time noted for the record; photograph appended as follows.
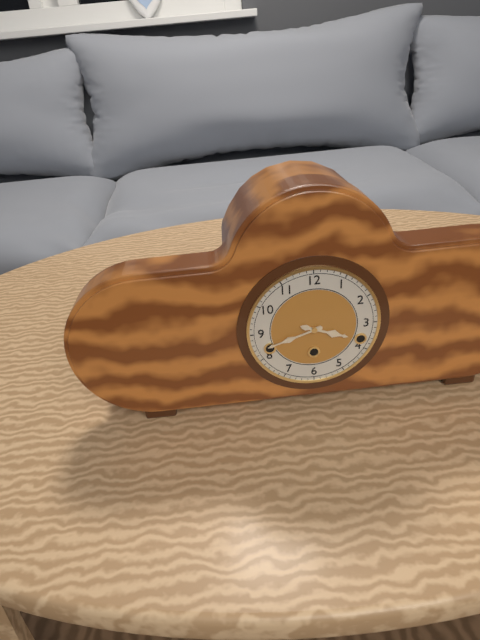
3:42
